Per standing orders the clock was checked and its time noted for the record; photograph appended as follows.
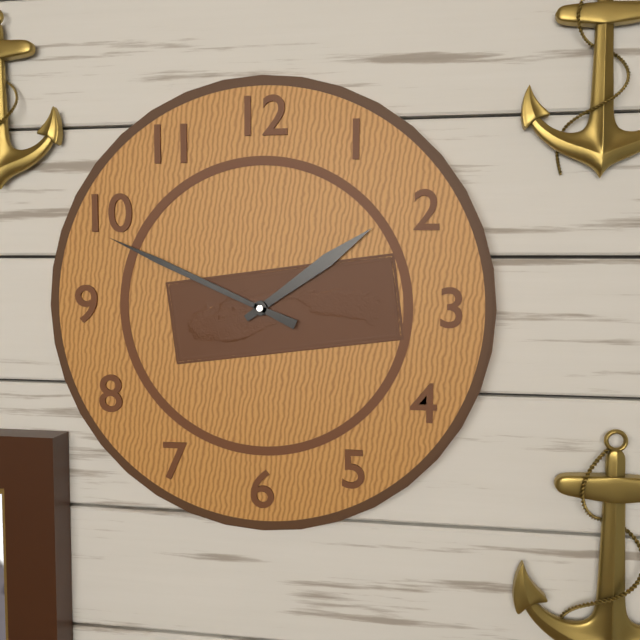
1:49
